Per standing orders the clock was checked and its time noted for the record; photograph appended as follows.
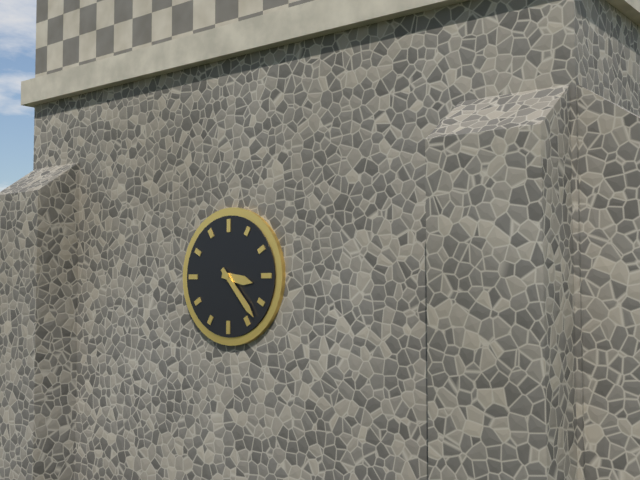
3:23
